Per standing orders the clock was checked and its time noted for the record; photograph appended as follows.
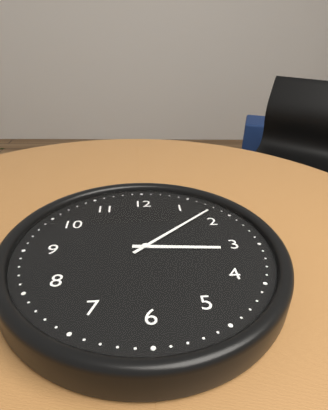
3:08
